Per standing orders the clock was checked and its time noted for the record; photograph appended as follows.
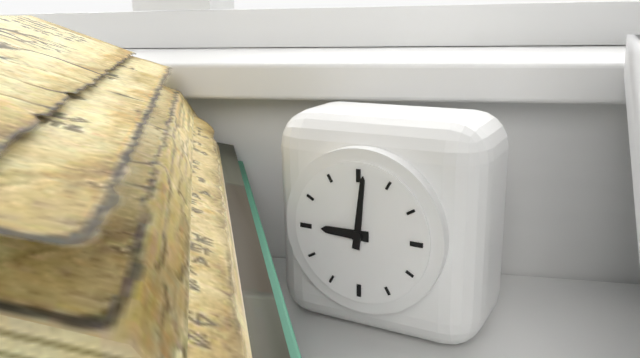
9:01
